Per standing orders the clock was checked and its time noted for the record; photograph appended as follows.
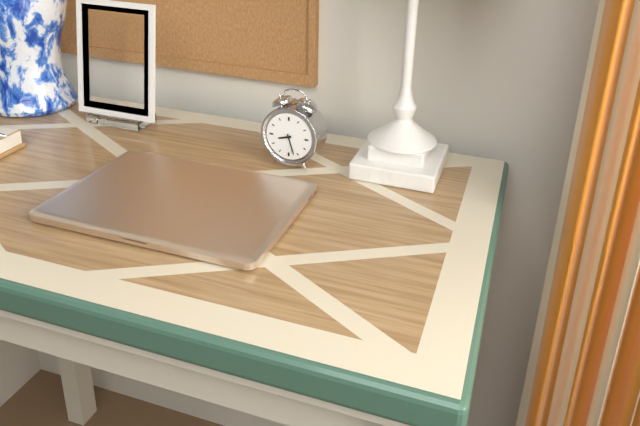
8:27
